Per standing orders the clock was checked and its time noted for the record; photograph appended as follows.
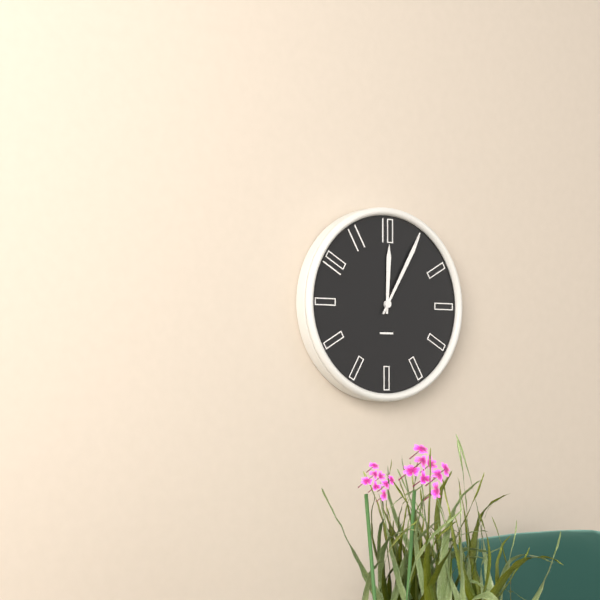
12:05
